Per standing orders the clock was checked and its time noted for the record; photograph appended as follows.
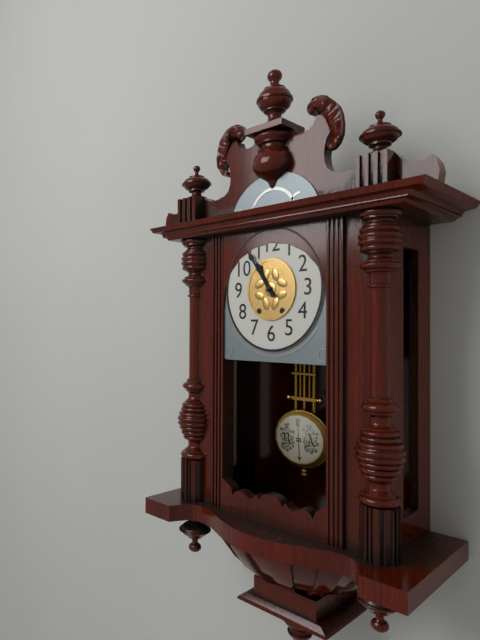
10:54
